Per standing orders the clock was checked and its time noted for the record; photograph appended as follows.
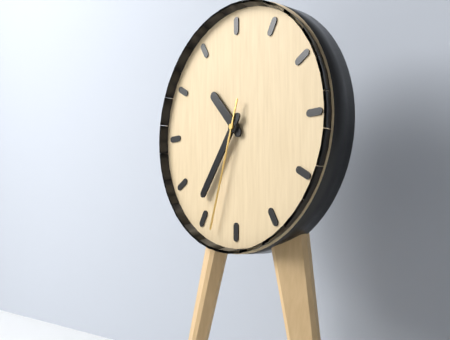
10:36:33
